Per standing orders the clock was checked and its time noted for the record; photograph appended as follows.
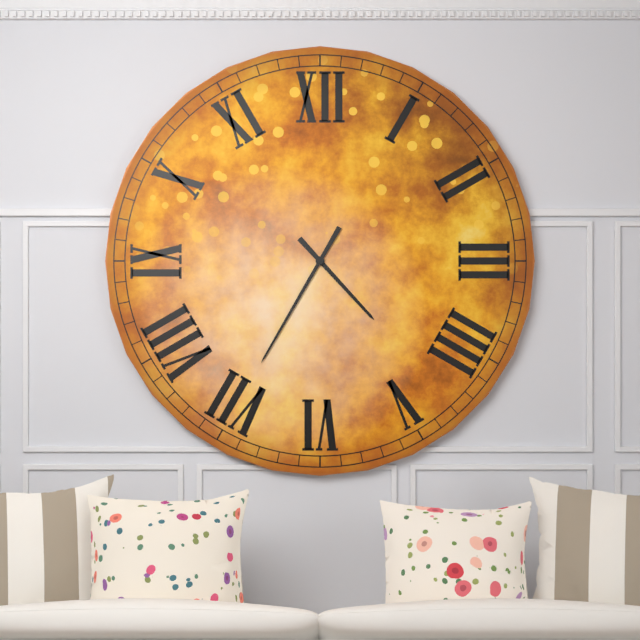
4:35
